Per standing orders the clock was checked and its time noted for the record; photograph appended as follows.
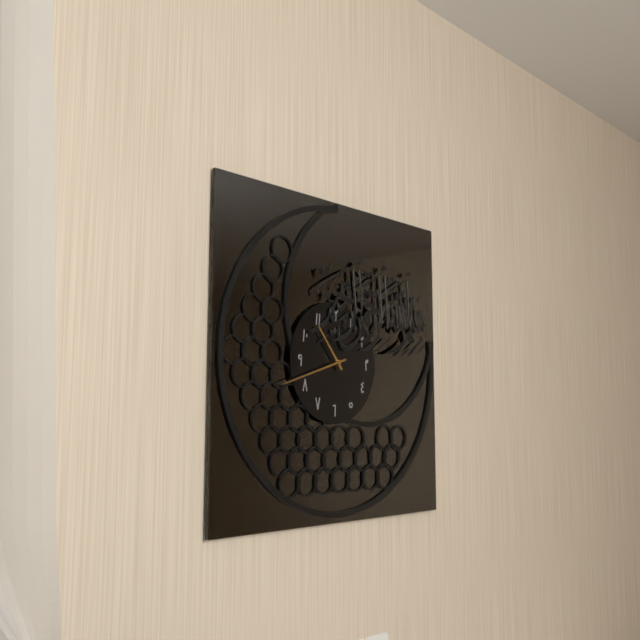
10:42
